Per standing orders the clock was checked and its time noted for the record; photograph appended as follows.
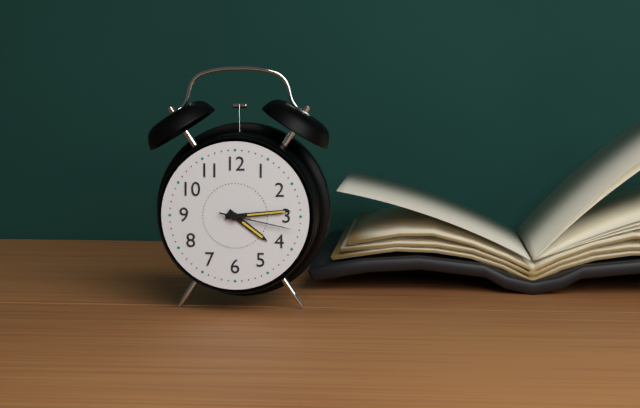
4:14:17
